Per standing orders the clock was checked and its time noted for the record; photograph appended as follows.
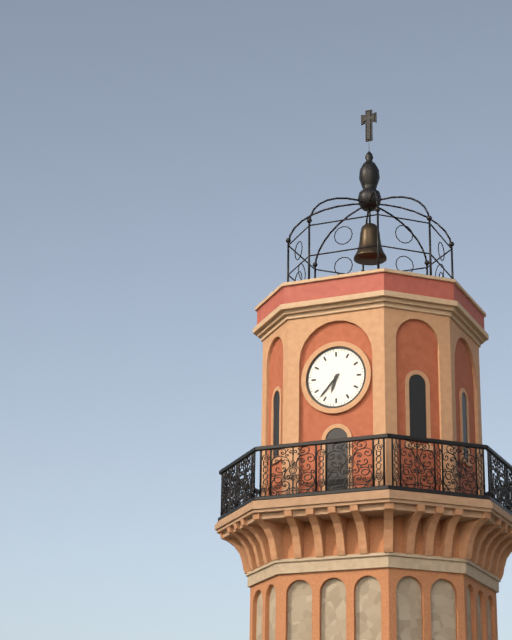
6:37
